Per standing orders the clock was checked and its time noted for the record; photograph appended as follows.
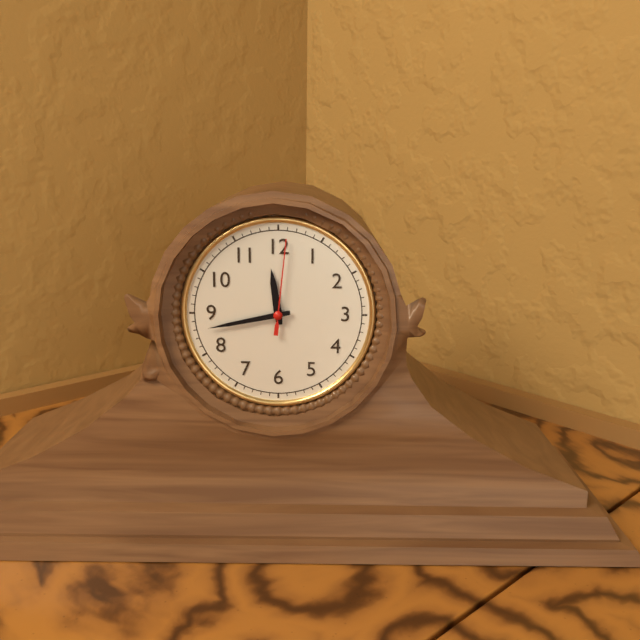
11:43:01
